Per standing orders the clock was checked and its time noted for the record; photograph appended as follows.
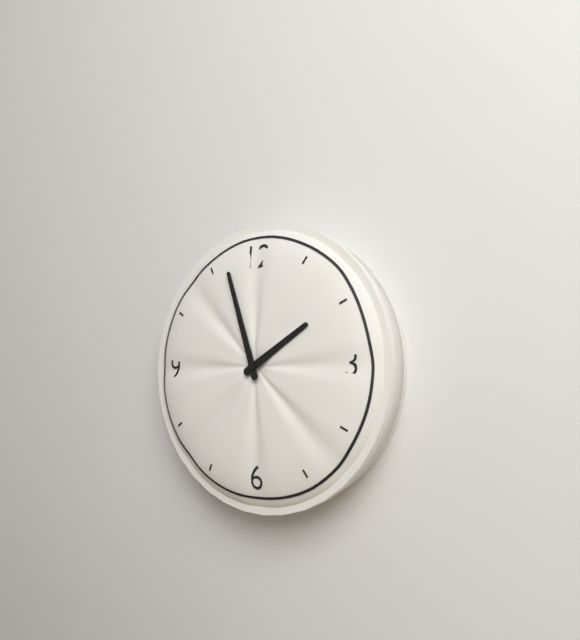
1:57
